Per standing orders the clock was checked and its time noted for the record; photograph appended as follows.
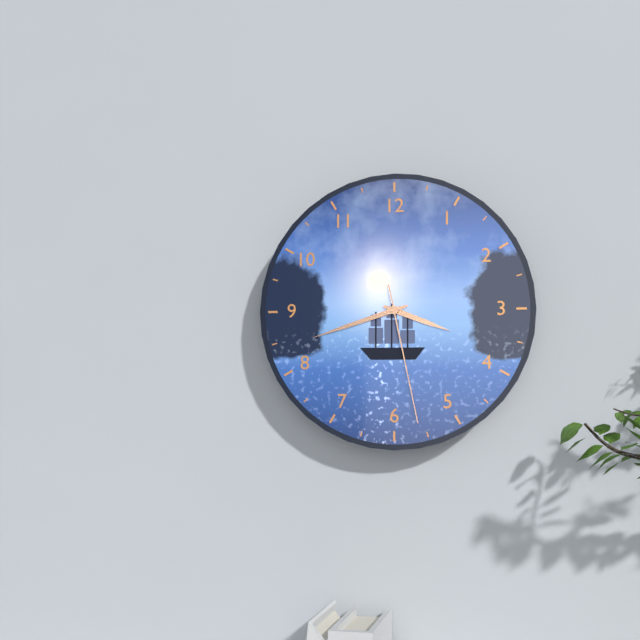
3:42:28
